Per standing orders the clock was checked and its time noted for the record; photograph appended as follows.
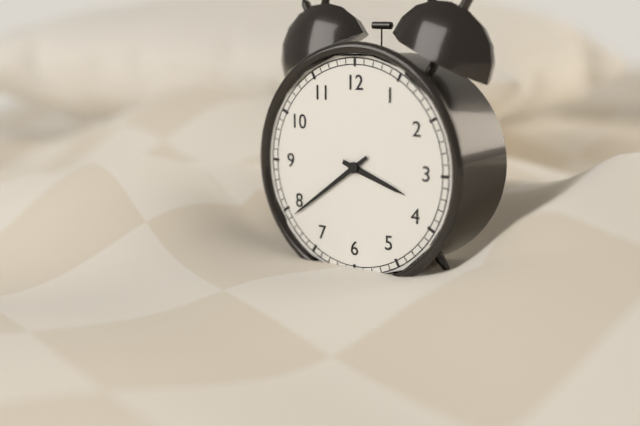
3:39
